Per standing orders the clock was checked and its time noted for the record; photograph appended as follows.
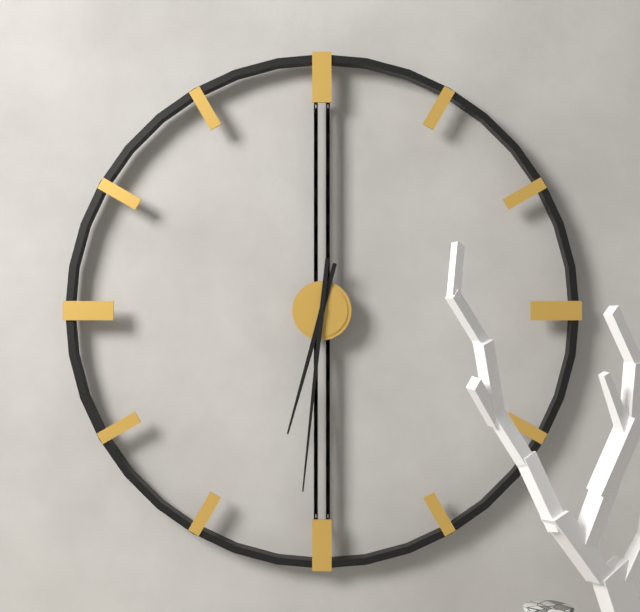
6:31
